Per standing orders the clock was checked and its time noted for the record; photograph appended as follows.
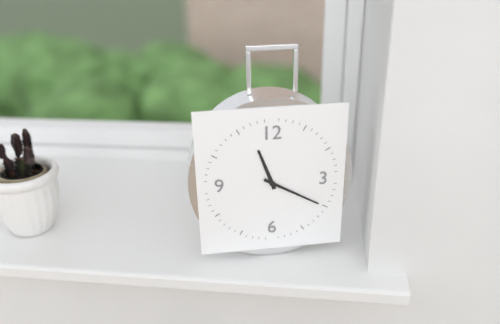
11:20
